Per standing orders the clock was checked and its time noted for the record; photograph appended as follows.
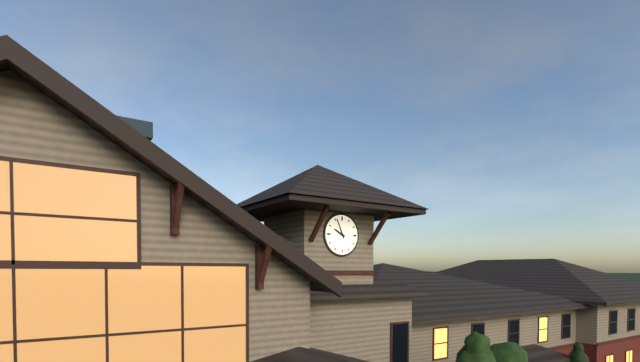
9:56
